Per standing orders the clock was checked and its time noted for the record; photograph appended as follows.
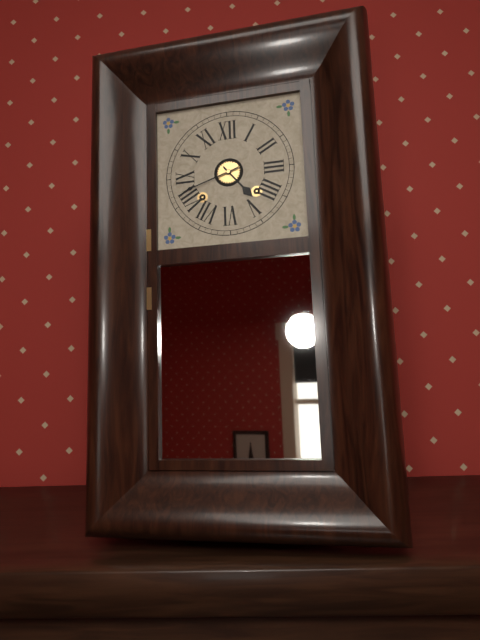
4:42
